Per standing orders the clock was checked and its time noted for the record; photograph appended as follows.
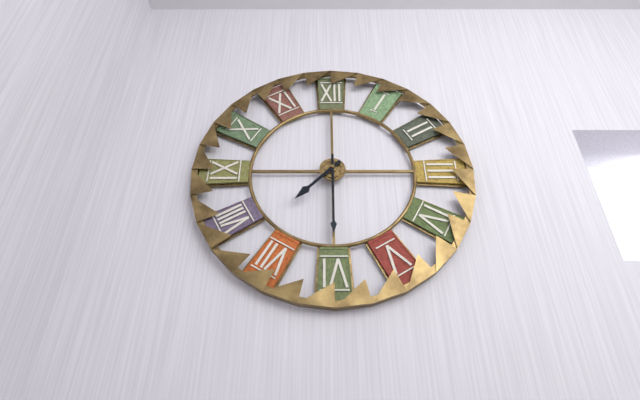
7:30
